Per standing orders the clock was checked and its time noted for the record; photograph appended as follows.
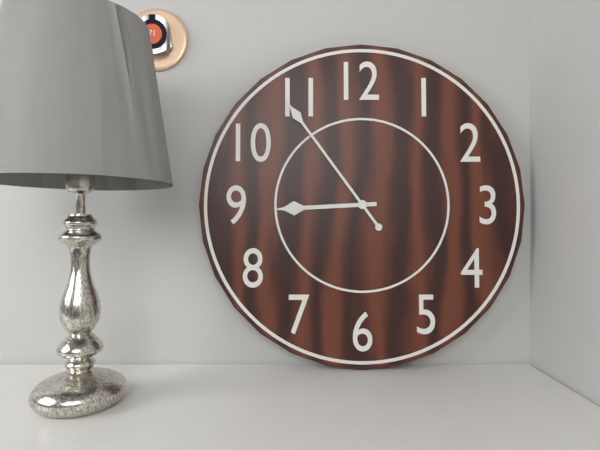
8:54
